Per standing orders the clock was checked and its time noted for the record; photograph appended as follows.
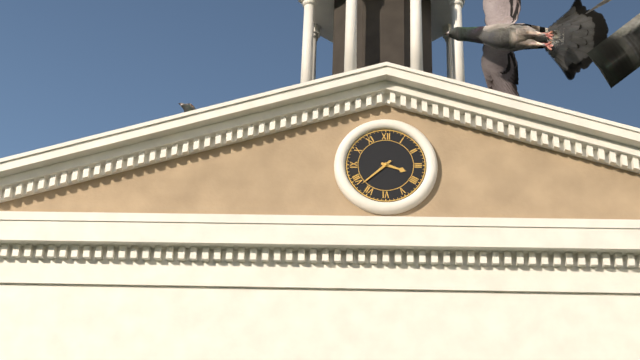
3:38
